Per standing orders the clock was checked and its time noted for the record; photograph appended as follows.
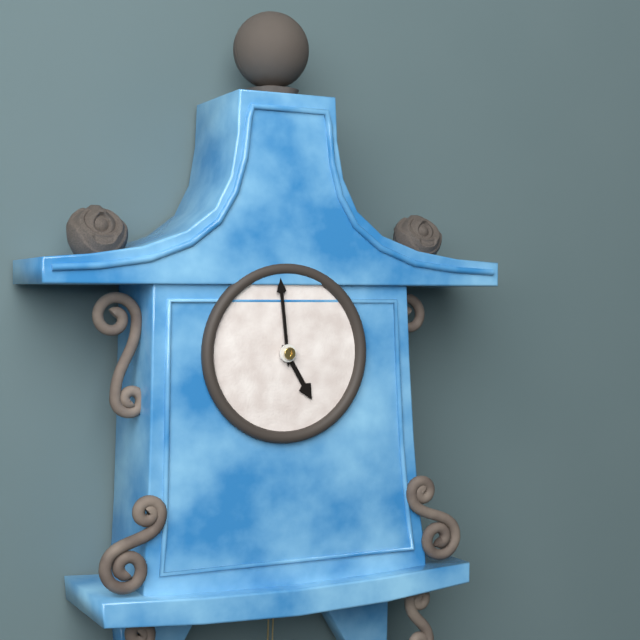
4:59
